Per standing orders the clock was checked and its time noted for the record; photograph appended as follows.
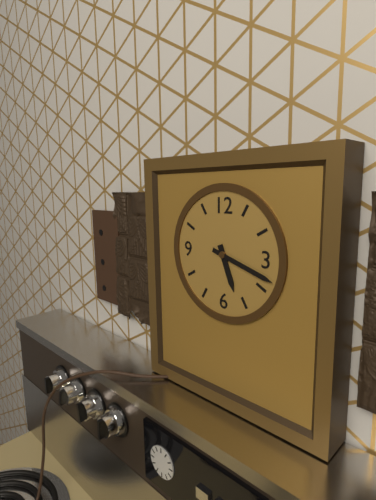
5:18
